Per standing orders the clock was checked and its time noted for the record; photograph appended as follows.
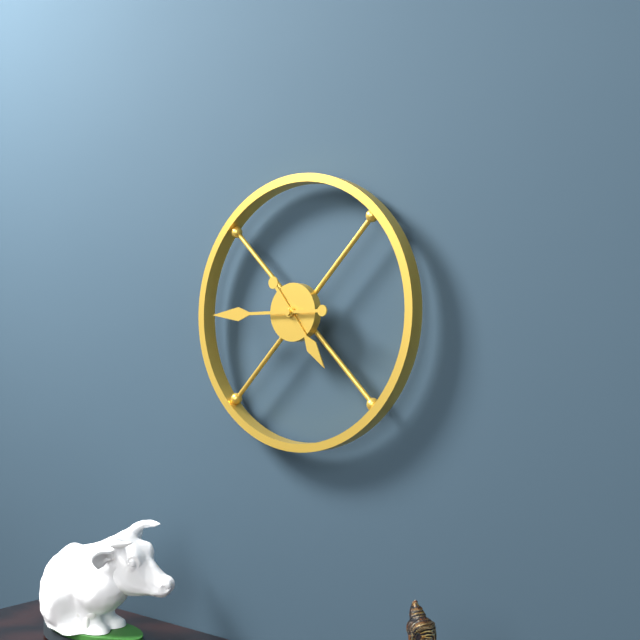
4:45
